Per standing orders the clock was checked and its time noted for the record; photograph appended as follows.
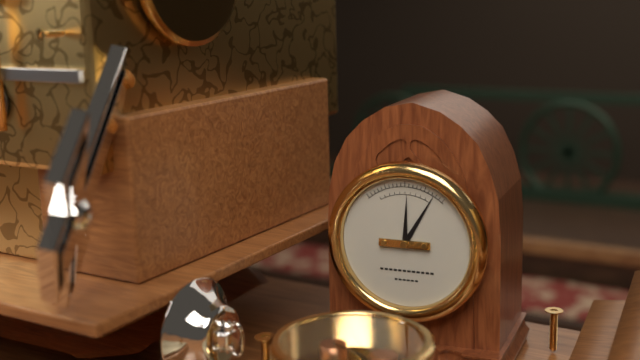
12:05
